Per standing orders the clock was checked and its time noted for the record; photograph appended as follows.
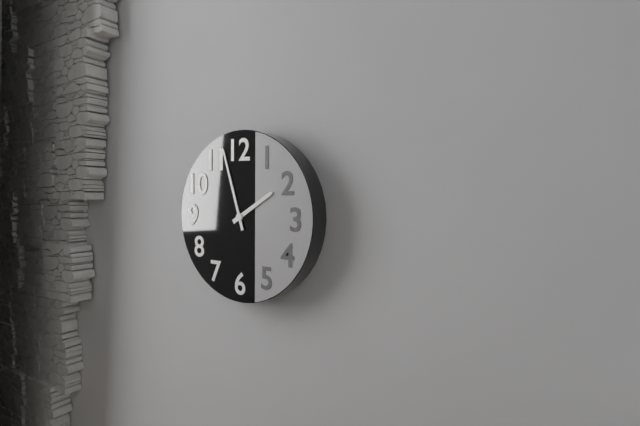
1:57
